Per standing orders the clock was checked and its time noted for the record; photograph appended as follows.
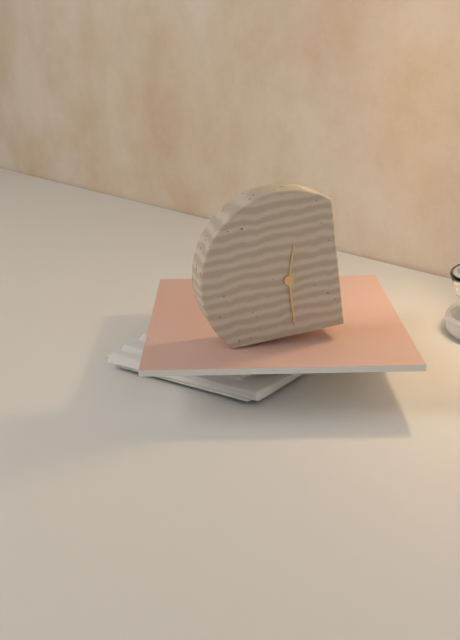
12:30
